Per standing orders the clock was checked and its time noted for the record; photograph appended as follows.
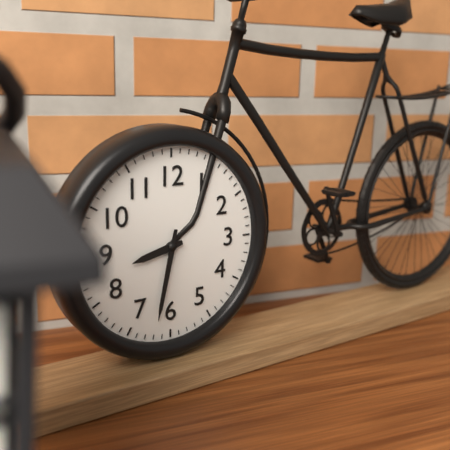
8:32
